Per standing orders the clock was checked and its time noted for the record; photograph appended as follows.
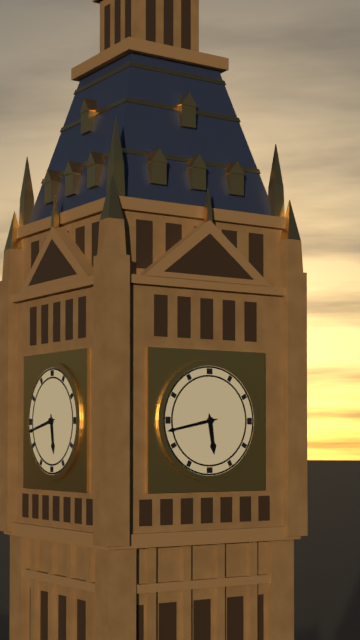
5:43
